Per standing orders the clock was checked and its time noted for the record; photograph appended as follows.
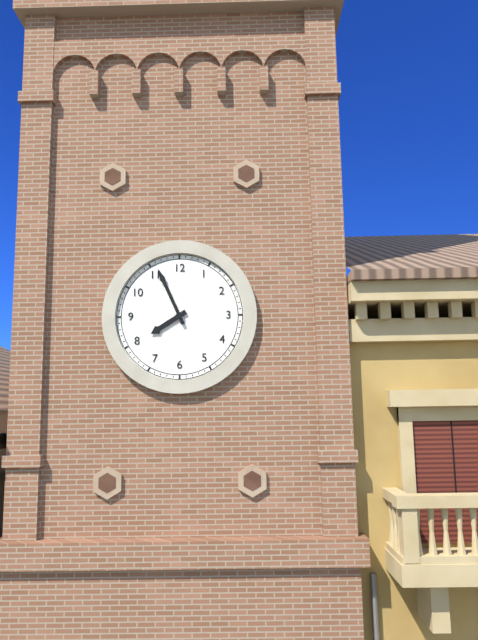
7:56
